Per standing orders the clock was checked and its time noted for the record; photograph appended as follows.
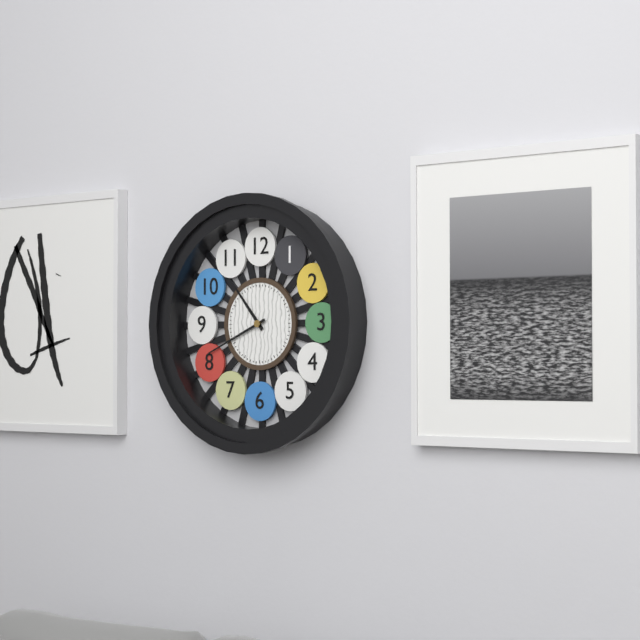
10:41
